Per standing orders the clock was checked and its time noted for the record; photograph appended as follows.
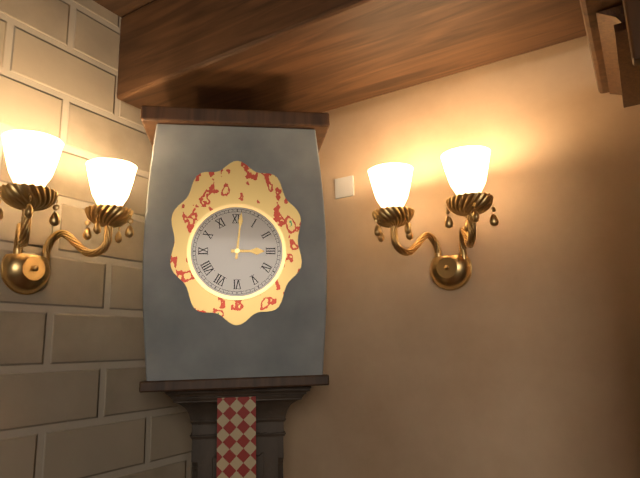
3:01
